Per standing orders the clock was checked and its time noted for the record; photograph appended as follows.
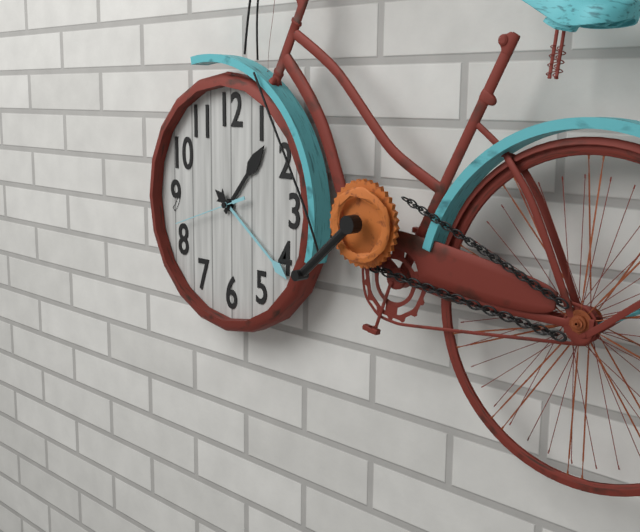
1:21:42
